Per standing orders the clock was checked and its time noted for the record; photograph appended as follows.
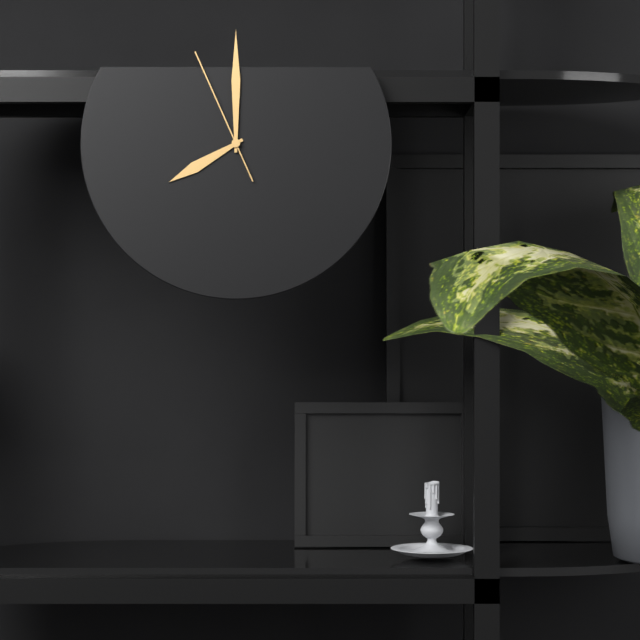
8:00:56
